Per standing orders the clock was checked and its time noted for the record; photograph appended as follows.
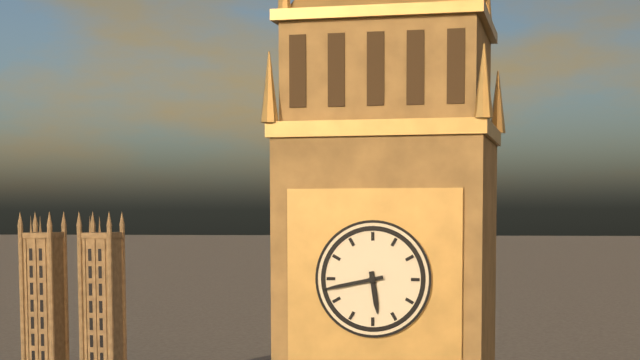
5:43
